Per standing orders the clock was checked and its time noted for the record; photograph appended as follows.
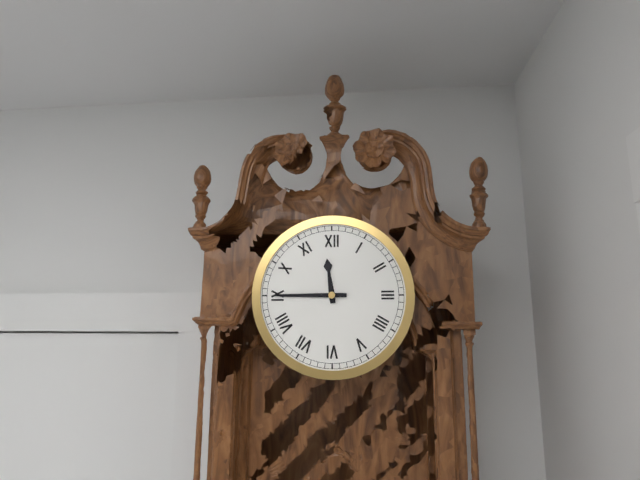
11:45
